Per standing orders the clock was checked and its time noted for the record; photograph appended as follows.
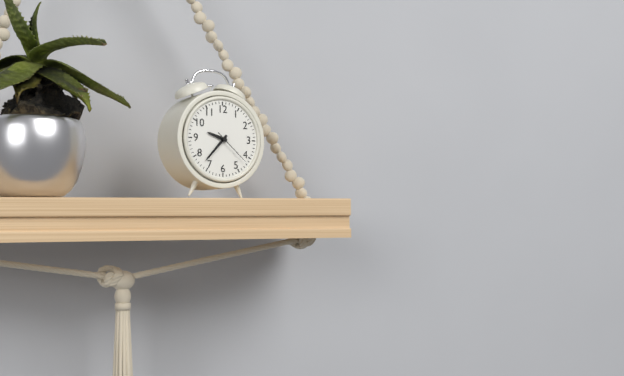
9:37
